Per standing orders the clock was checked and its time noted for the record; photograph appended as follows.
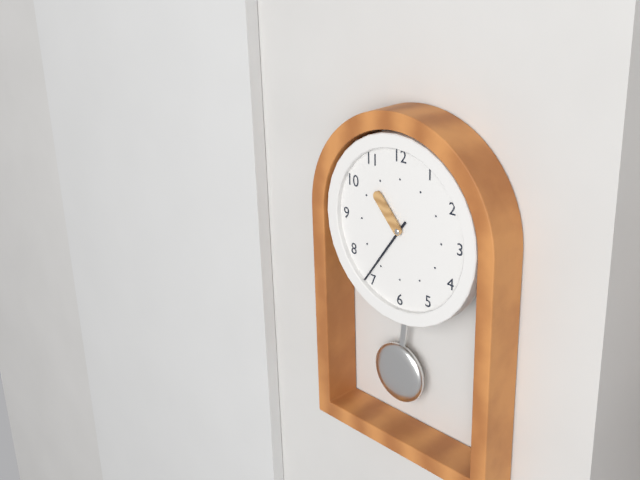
10:36
